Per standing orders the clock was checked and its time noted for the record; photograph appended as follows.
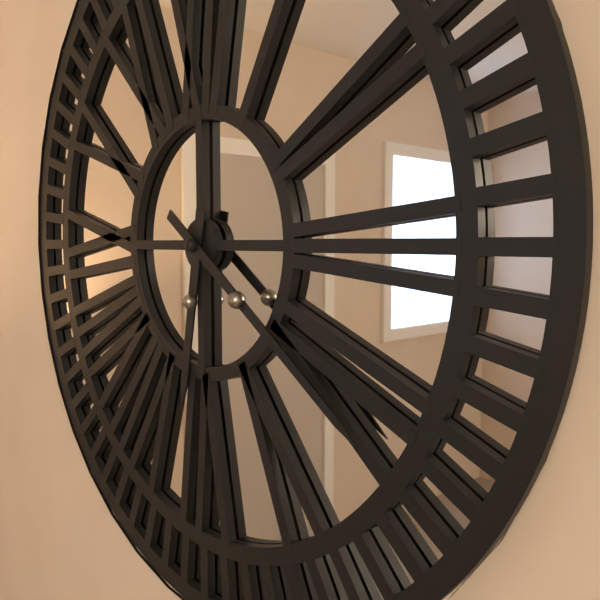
6:21
